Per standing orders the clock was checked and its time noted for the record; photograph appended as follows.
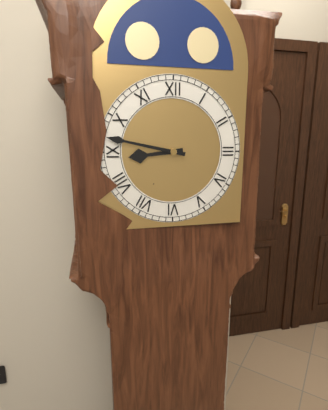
8:47
